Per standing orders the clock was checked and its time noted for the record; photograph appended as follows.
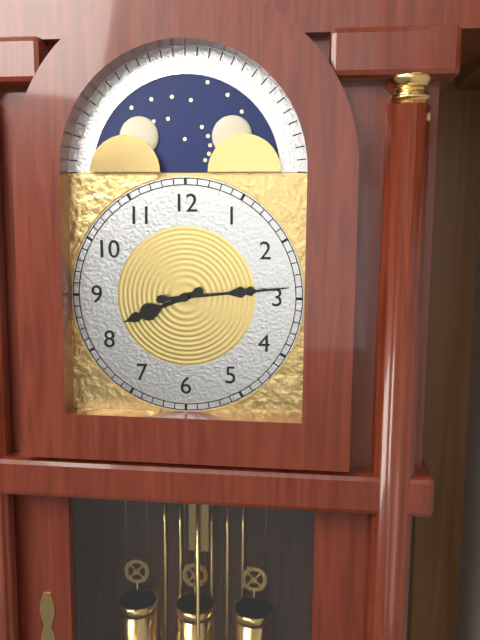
8:14
